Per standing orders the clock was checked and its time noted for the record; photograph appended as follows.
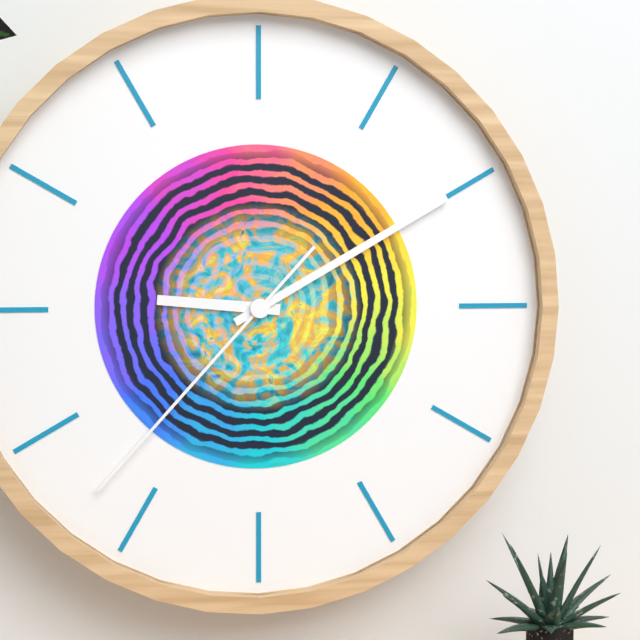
9:10:37
